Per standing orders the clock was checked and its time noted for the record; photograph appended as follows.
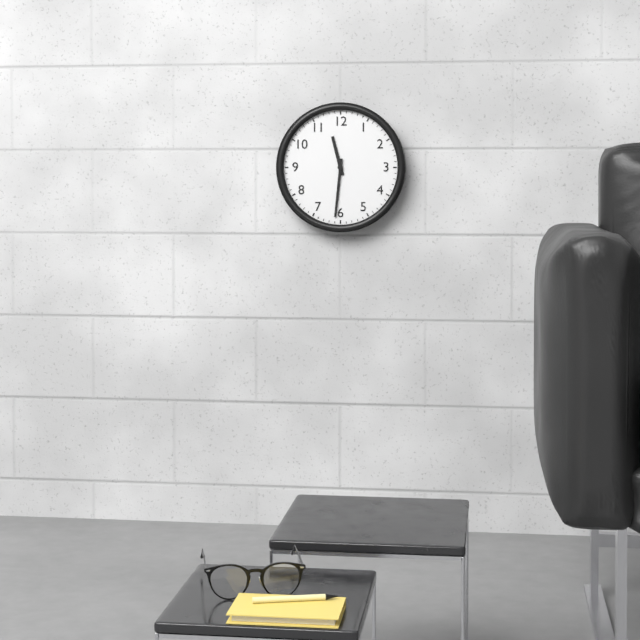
11:31
